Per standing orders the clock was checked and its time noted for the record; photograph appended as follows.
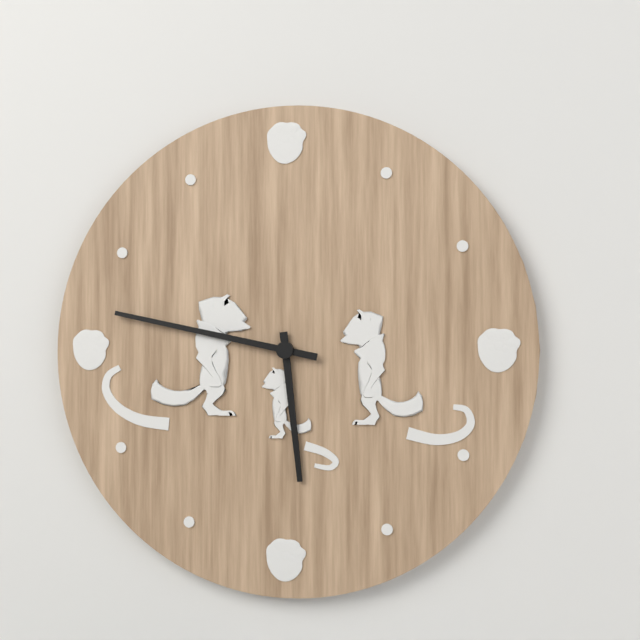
5:47
